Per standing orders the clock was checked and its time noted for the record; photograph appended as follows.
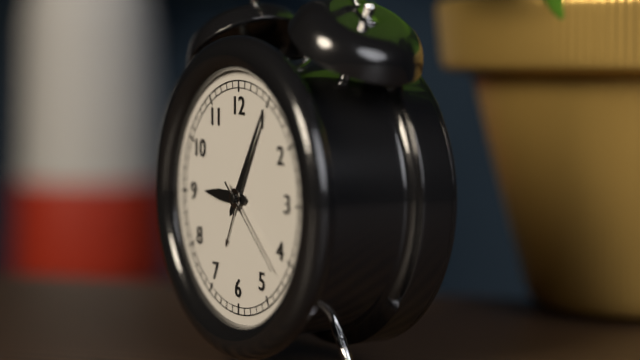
9:05:22
